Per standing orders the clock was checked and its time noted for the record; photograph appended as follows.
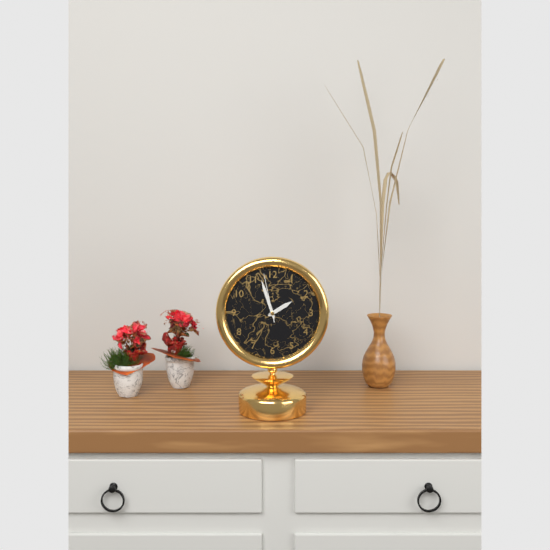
1:57:58
